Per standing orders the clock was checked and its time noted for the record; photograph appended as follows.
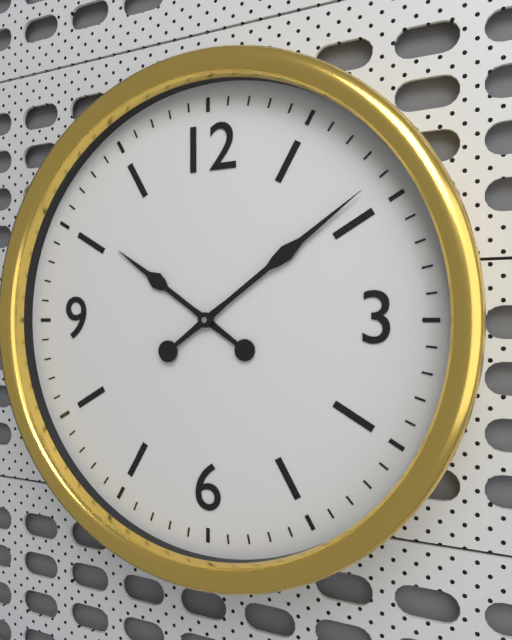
10:09
